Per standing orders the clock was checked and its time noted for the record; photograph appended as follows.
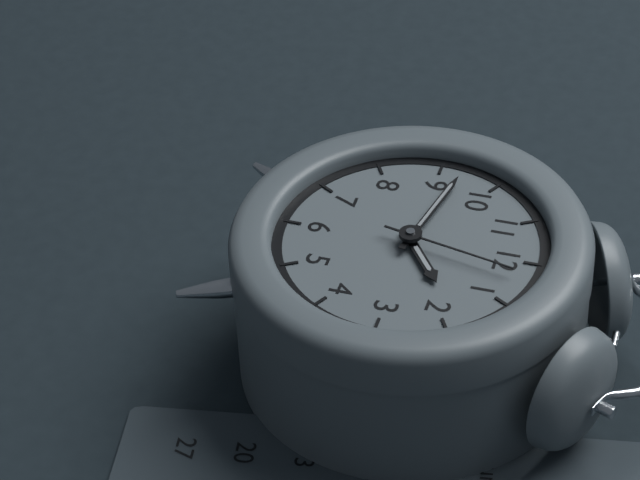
1:47:02
